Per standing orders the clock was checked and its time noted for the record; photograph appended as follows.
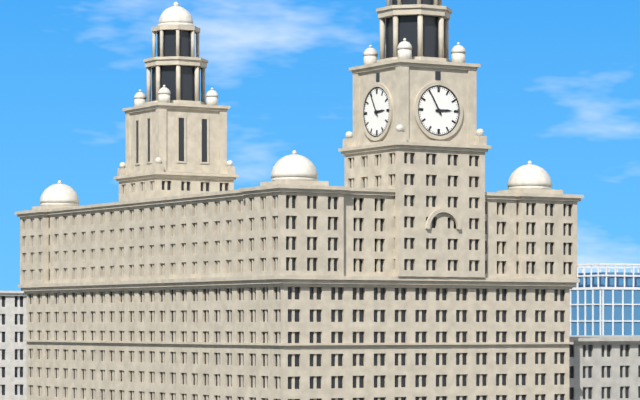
2:55
